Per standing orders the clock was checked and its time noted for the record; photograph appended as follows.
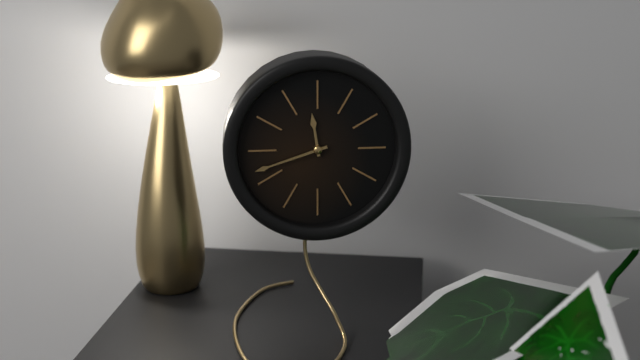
11:42
